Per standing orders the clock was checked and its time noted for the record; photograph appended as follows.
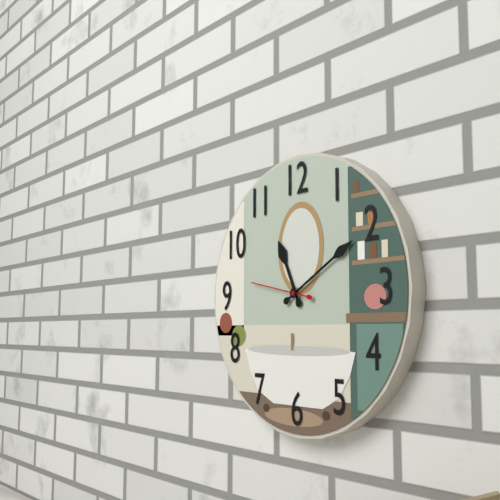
11:10:47
